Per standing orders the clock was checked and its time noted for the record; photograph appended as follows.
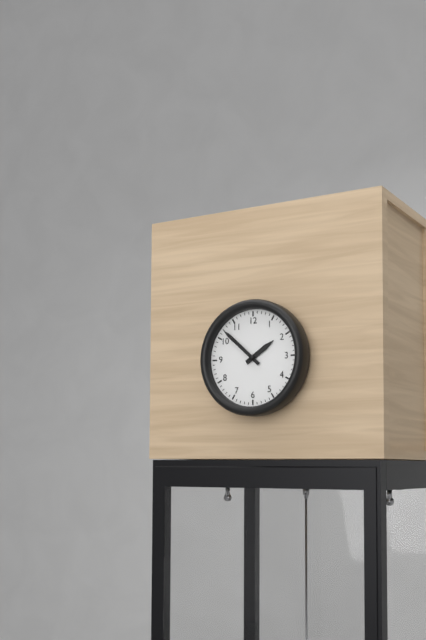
1:52
